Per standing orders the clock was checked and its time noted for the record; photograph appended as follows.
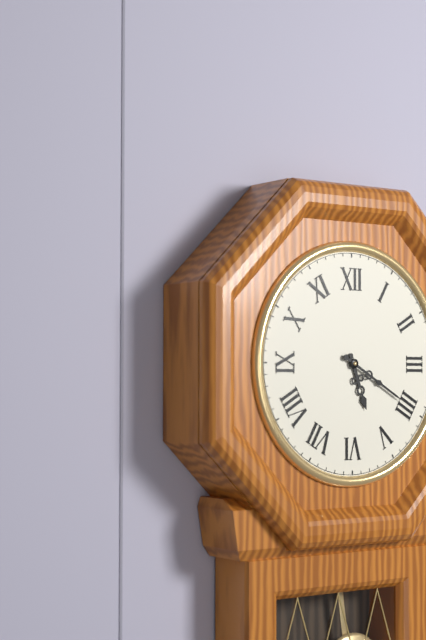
5:20
